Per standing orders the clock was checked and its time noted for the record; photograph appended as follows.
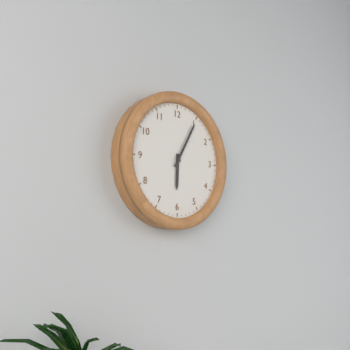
6:05
